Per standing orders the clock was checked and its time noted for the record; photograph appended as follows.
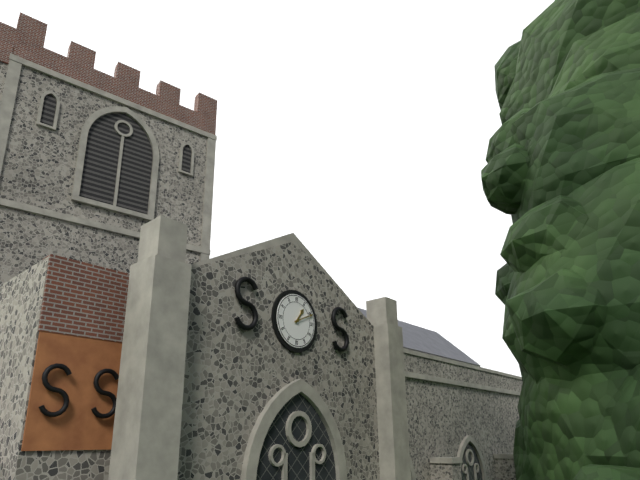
1:11
